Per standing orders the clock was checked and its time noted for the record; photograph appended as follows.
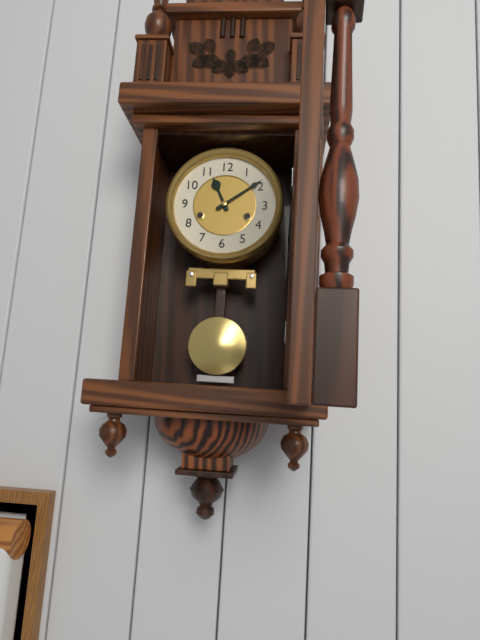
11:09
